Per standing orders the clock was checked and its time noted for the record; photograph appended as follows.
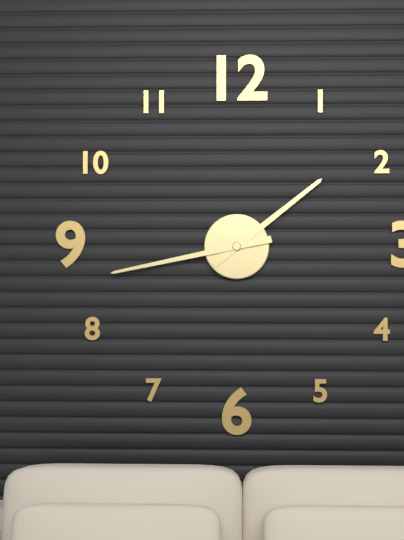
1:43
